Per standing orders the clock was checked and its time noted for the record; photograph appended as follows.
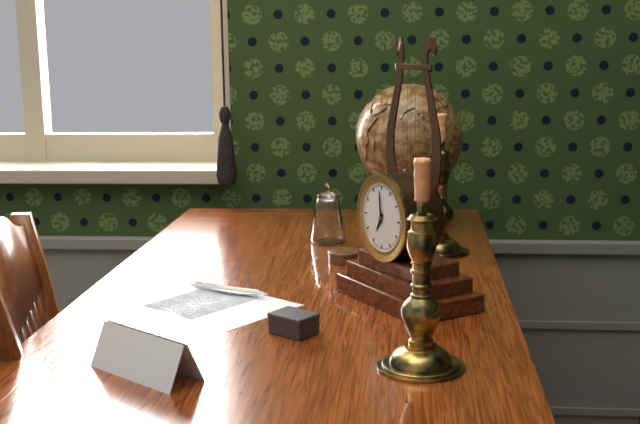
6:59
